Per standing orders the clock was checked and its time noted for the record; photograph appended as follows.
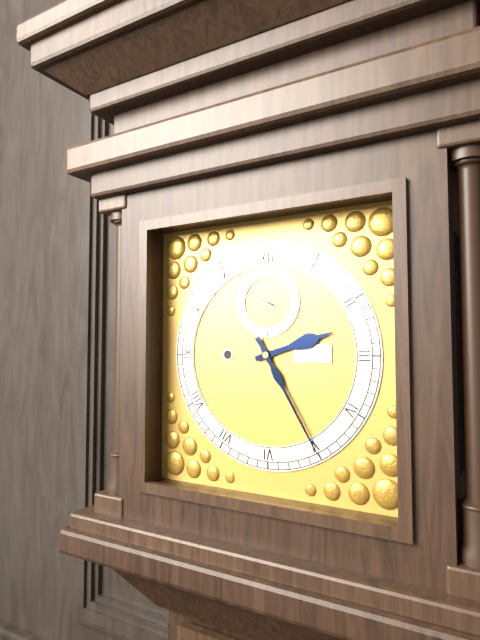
2:25
